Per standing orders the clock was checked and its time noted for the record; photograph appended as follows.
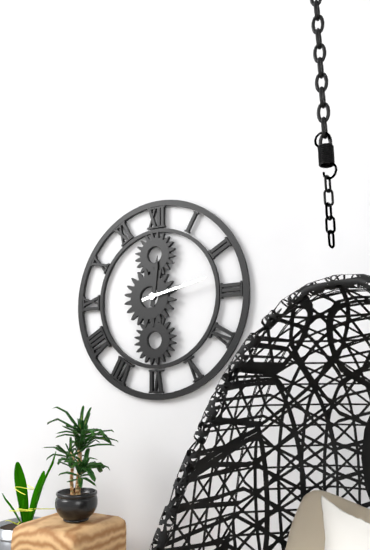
12:13
